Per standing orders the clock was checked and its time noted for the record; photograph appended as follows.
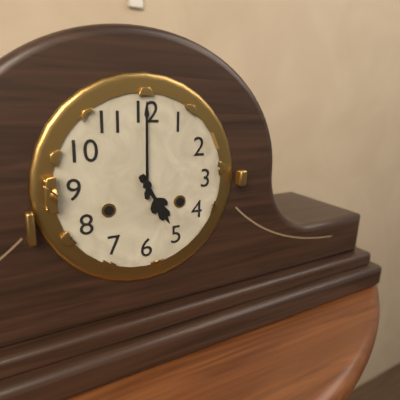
5:00
